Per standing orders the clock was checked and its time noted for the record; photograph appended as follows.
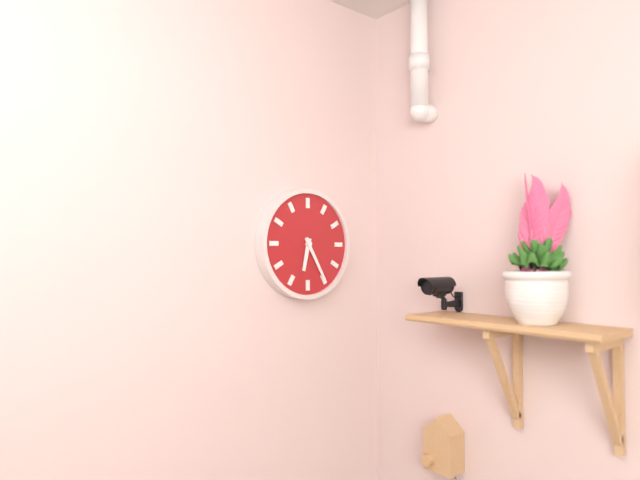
6:25
